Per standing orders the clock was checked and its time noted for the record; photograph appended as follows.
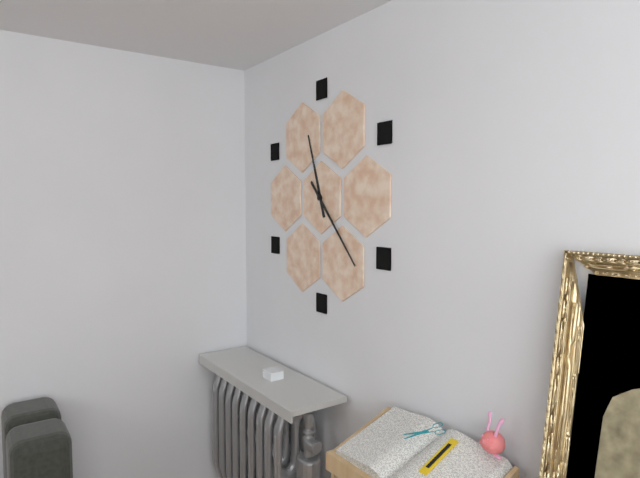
11:23
